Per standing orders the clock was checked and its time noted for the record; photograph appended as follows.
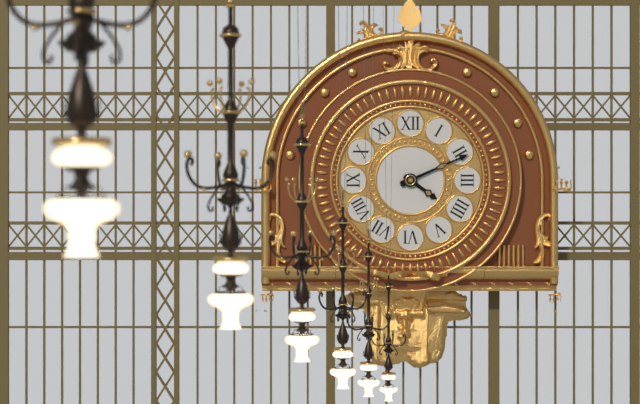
4:11
